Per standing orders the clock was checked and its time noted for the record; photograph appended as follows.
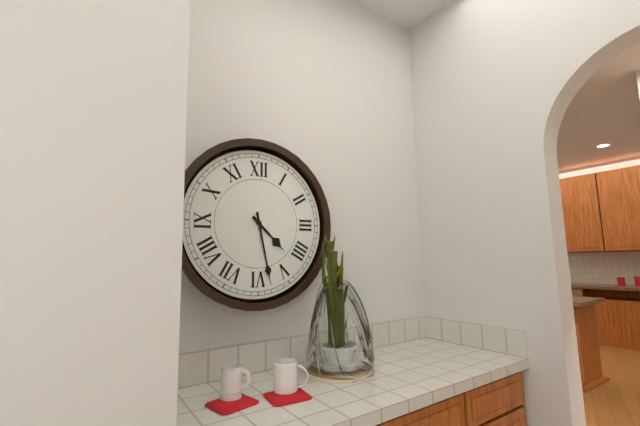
4:28
